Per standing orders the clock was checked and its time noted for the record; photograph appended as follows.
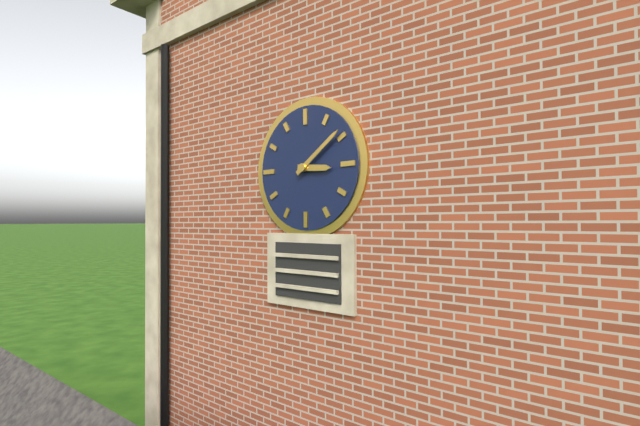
3:09
